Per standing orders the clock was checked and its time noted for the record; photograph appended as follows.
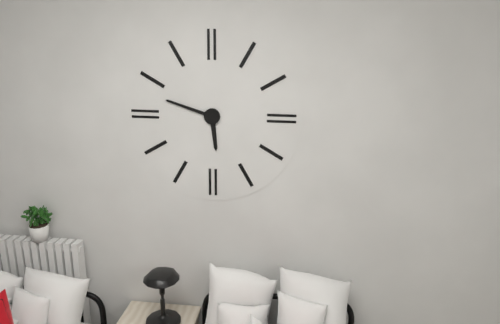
5:48
